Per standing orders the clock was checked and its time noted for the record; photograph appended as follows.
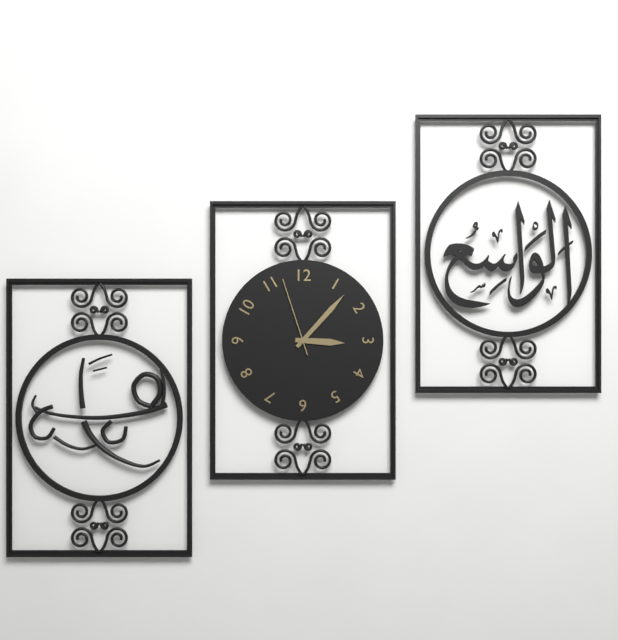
3:07:57
